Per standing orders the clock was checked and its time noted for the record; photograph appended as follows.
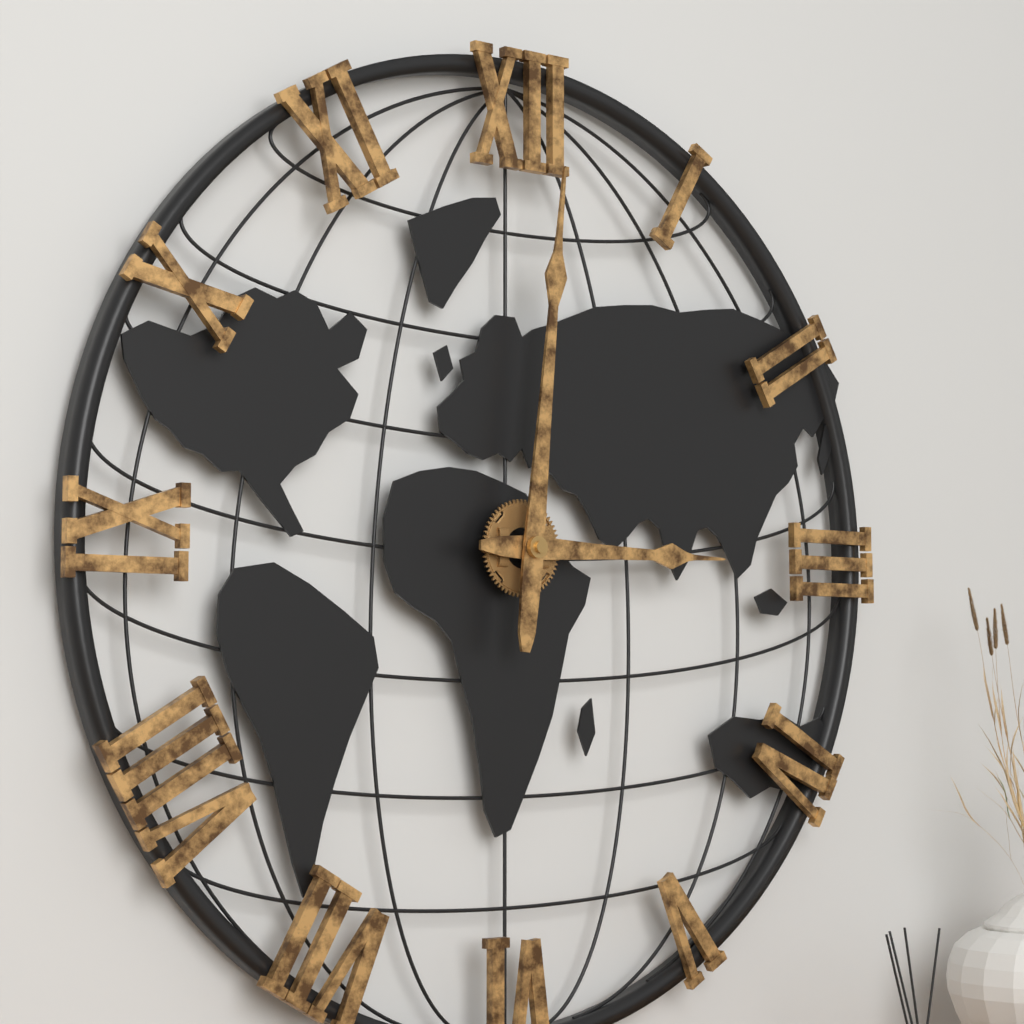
3:01
